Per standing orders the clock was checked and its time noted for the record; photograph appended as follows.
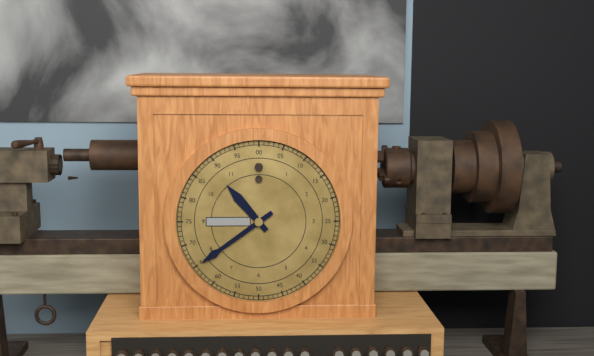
10:39
